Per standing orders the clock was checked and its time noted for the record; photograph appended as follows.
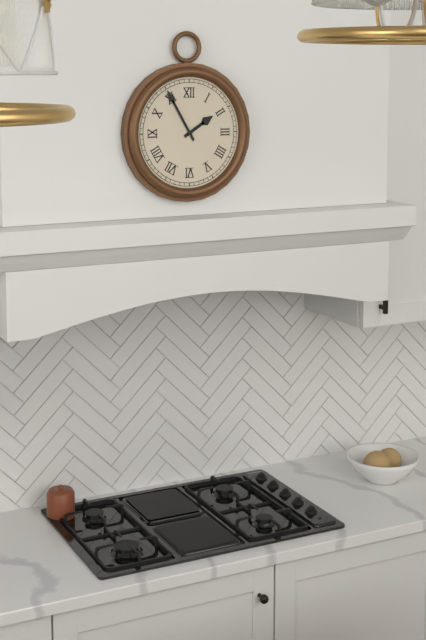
1:55
